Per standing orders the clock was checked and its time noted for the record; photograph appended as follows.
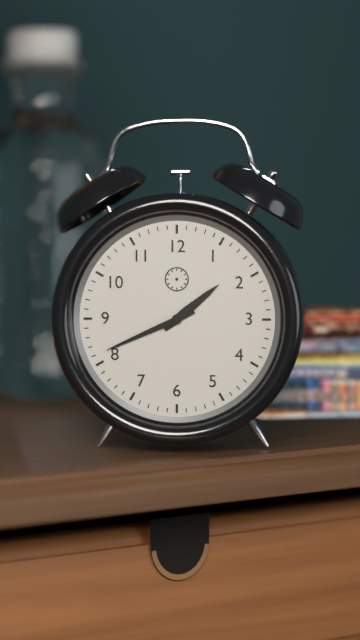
1:41
